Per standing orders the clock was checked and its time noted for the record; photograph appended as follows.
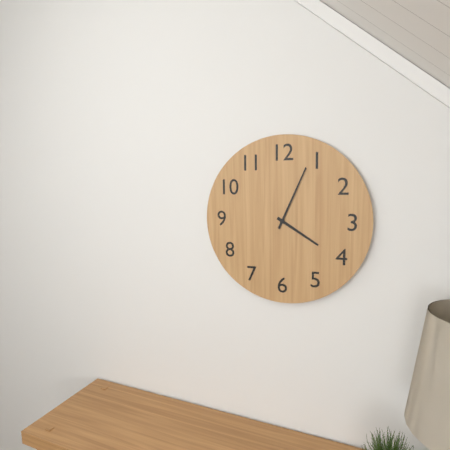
4:04
